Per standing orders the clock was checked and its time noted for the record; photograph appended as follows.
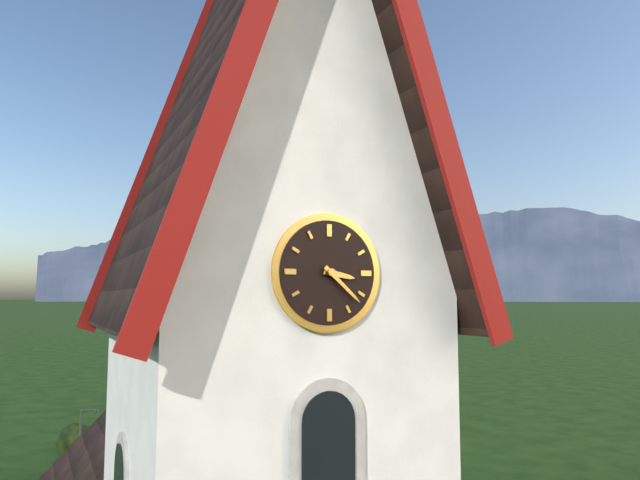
3:22
